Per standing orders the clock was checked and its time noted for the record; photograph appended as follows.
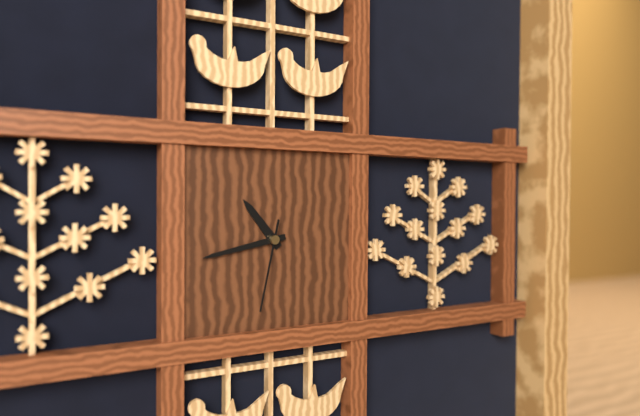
10:43:32
